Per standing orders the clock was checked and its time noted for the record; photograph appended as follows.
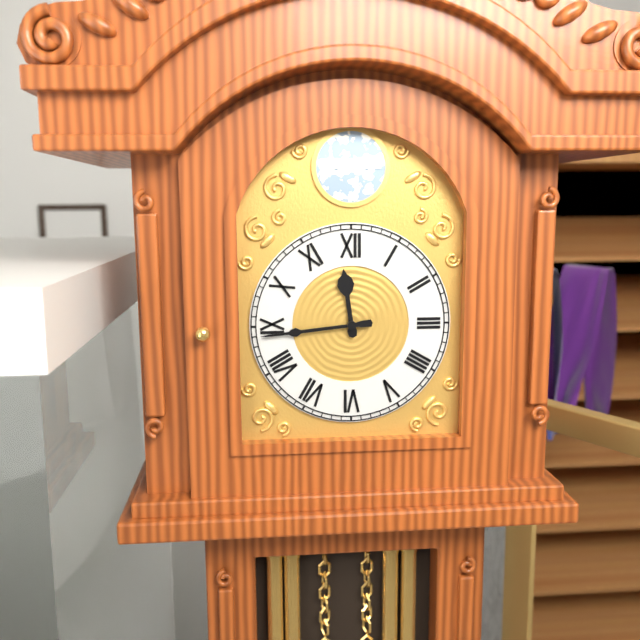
11:44
